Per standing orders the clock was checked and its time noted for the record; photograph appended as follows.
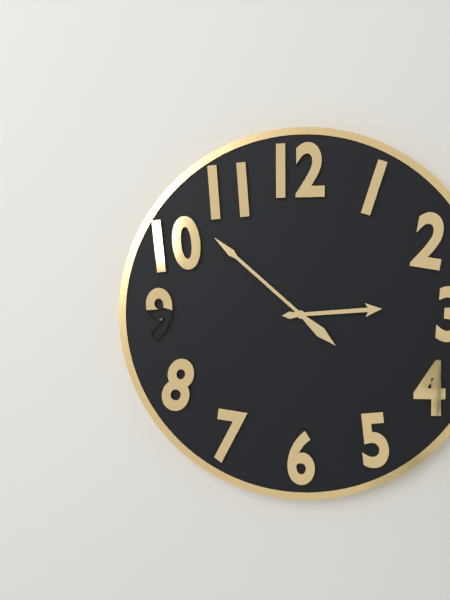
2:52
